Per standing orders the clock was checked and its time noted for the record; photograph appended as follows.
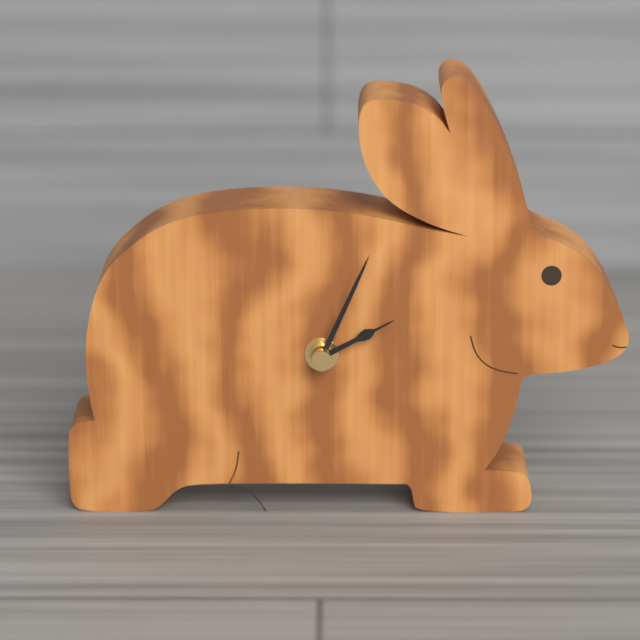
2:04
